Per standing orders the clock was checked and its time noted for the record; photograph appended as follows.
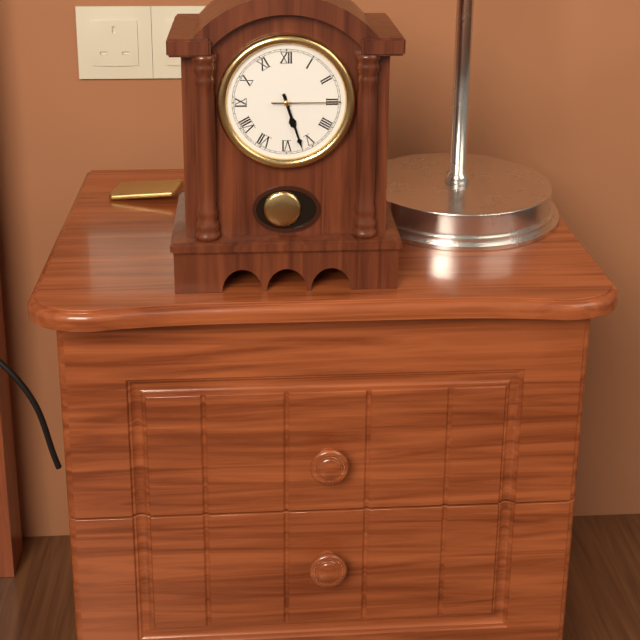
5:27:15
